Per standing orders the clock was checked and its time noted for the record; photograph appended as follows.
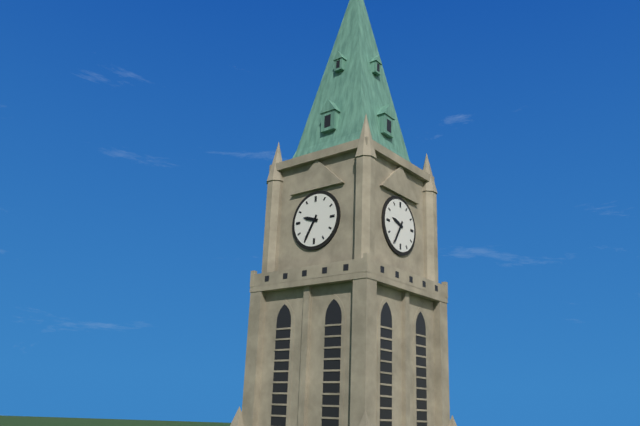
9:35
